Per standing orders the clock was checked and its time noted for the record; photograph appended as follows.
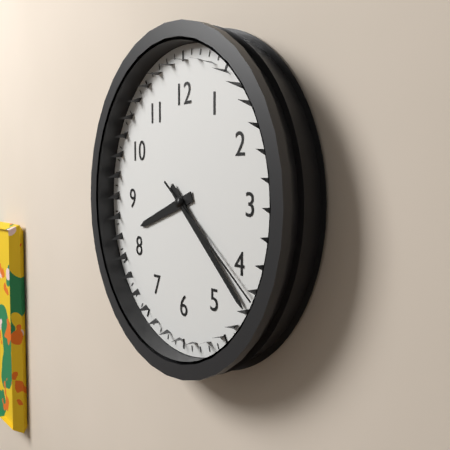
8:22:21
